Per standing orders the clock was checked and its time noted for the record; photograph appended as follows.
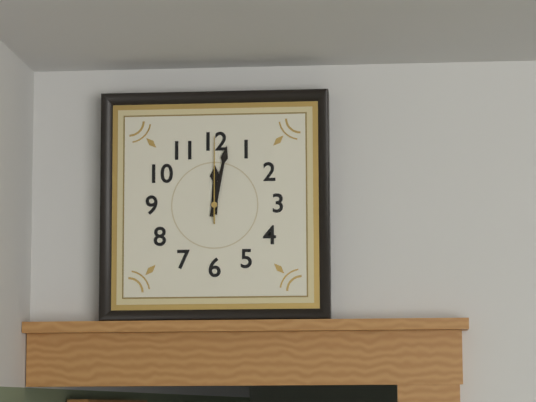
12:02:00
